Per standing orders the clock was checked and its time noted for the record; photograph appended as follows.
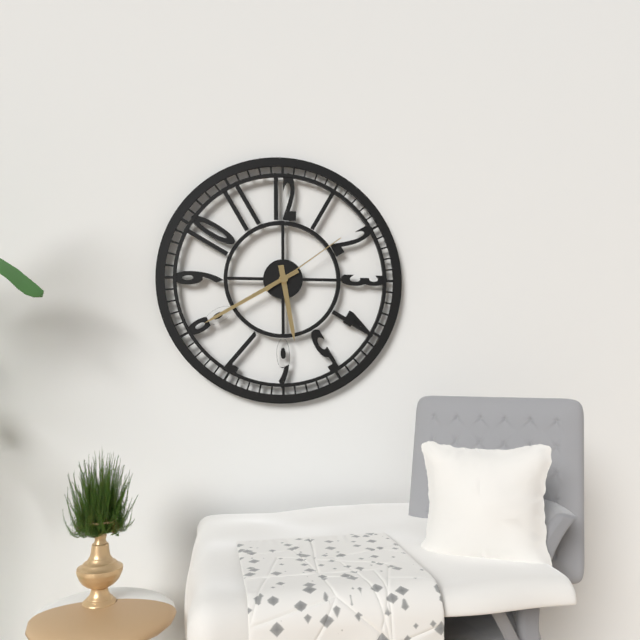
5:40:09
